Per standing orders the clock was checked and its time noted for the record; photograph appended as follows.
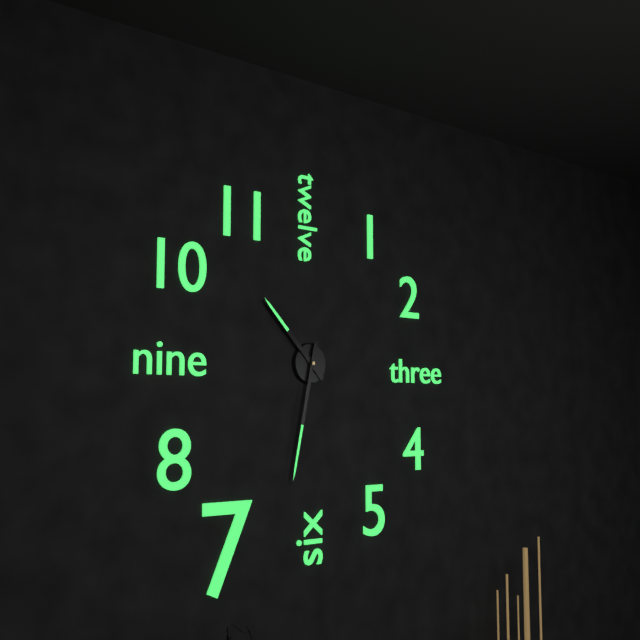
10:32
